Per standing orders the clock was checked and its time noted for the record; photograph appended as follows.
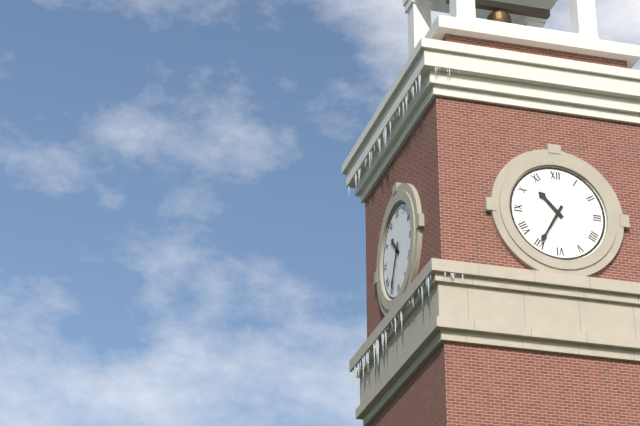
10:35
